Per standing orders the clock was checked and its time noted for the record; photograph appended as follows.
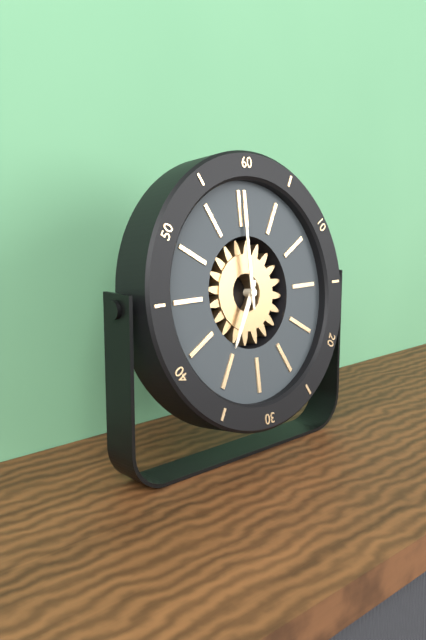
7:00
